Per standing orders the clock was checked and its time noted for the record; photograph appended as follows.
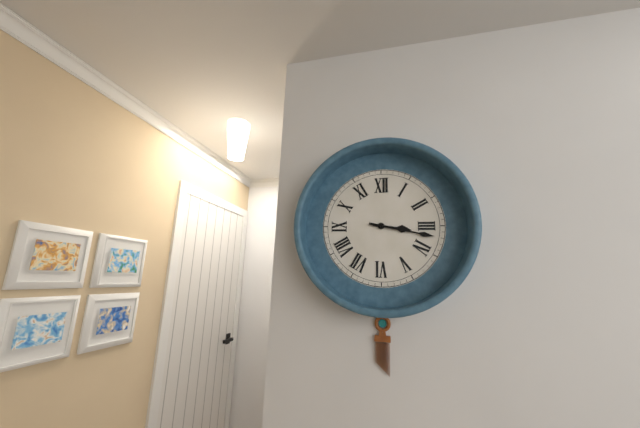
3:17
